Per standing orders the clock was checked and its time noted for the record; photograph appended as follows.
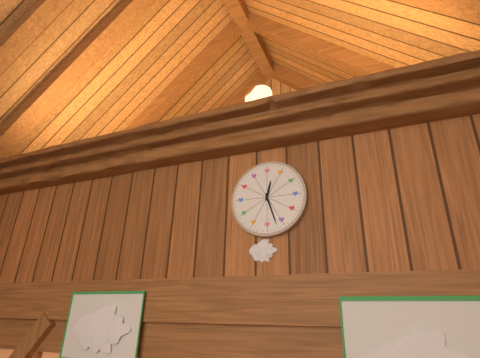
12:27
